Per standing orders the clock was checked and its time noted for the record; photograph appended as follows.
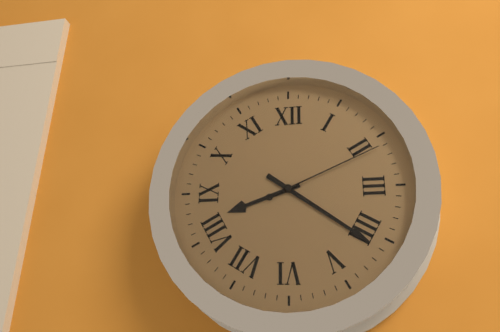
8:21:11
